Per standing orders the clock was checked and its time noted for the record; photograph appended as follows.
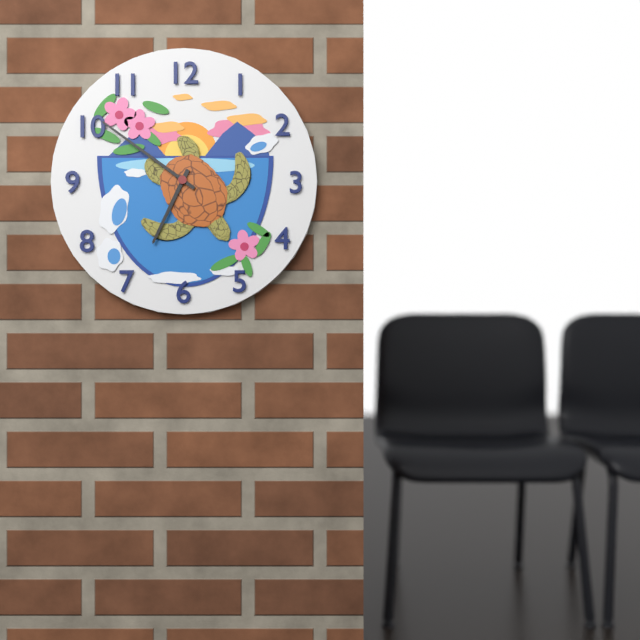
6:51
